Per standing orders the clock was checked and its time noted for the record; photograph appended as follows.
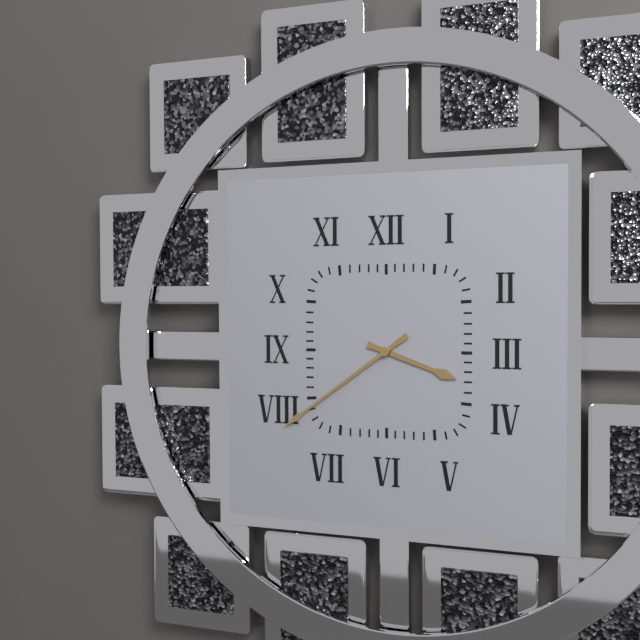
3:39
